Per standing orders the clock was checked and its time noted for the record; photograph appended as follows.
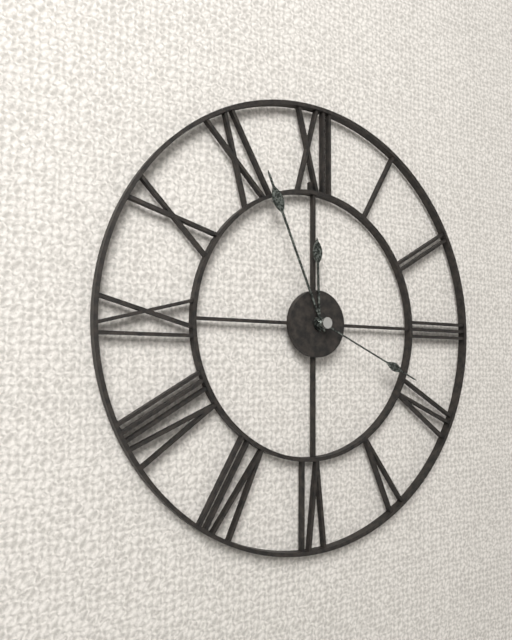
11:56:19
